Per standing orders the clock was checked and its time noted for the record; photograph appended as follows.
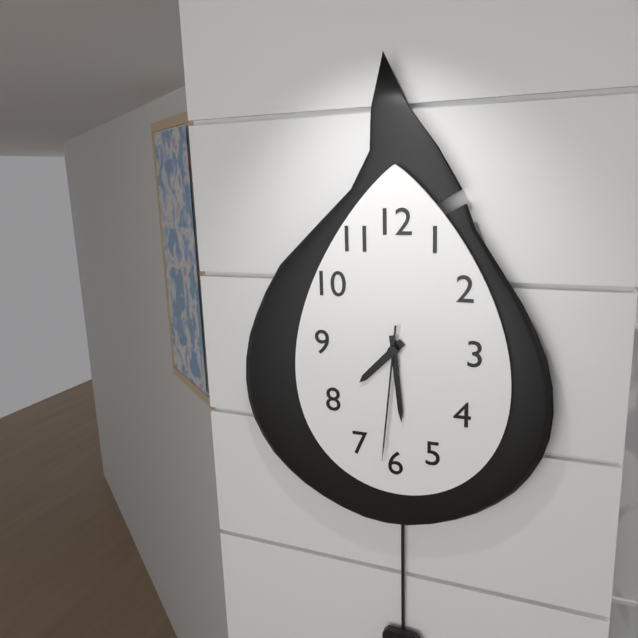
7:29:31
